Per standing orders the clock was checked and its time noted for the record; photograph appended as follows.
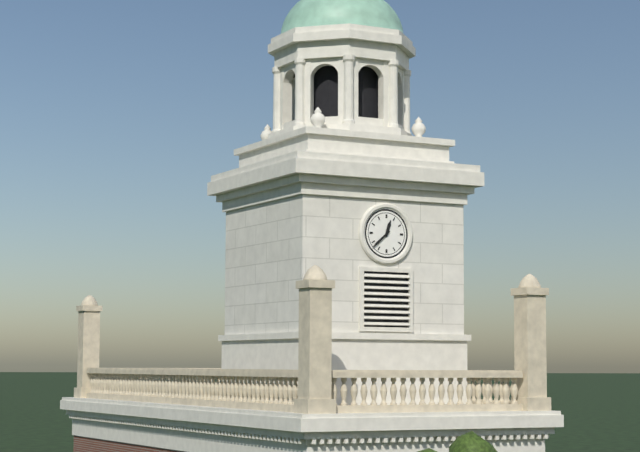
12:38
